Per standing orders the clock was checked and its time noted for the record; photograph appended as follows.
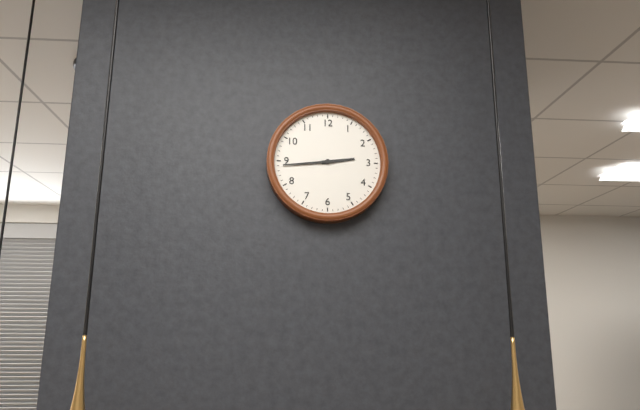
2:44
